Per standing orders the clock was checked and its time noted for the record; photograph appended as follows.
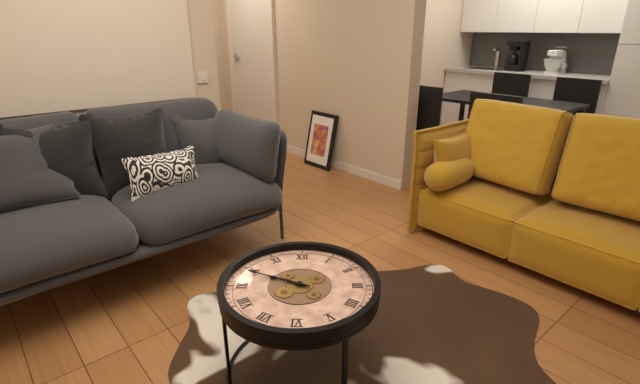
9:49
